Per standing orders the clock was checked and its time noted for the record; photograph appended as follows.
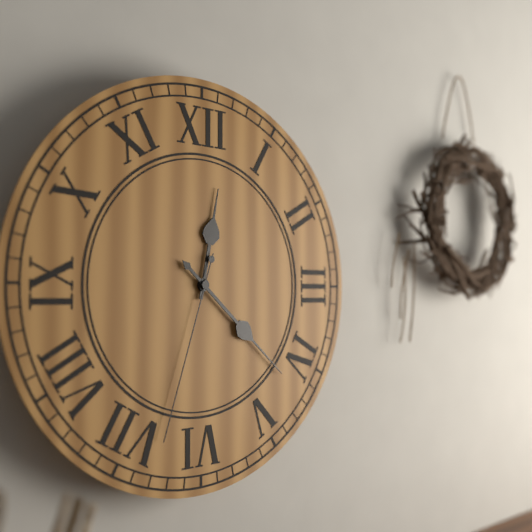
12:22:33
